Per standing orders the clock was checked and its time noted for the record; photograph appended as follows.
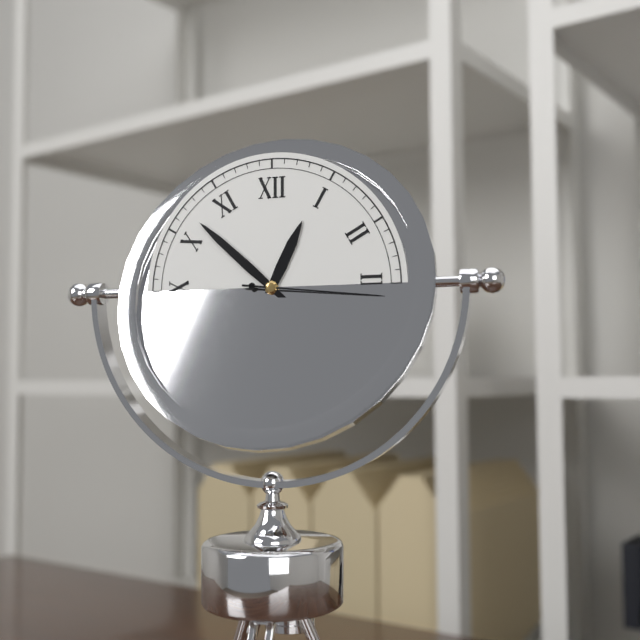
12:52:16
